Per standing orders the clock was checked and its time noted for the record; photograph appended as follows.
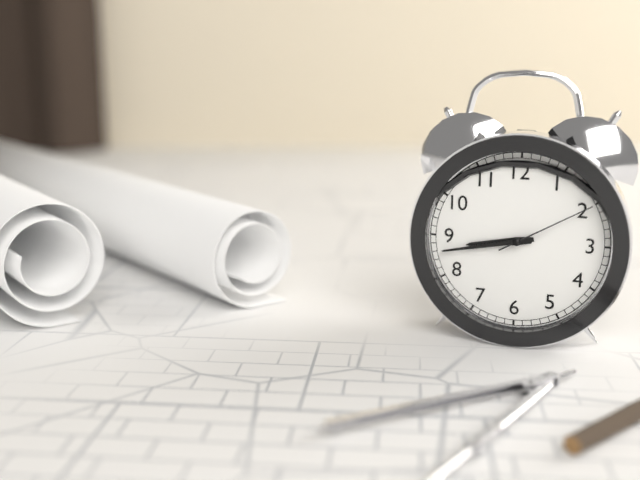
8:43:10
